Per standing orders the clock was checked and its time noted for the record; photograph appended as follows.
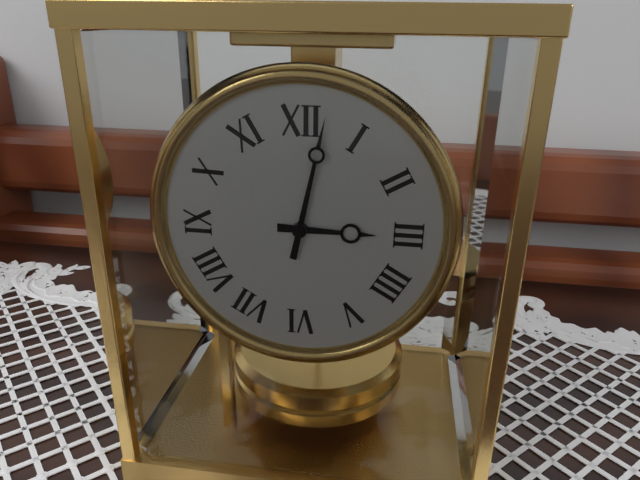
3:02
